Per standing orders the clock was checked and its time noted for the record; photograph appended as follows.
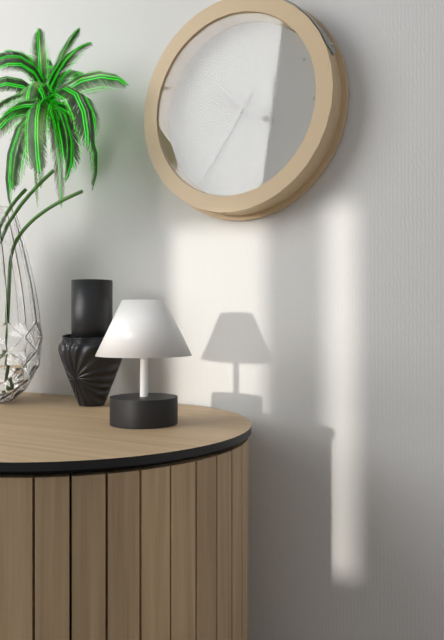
10:36:49
